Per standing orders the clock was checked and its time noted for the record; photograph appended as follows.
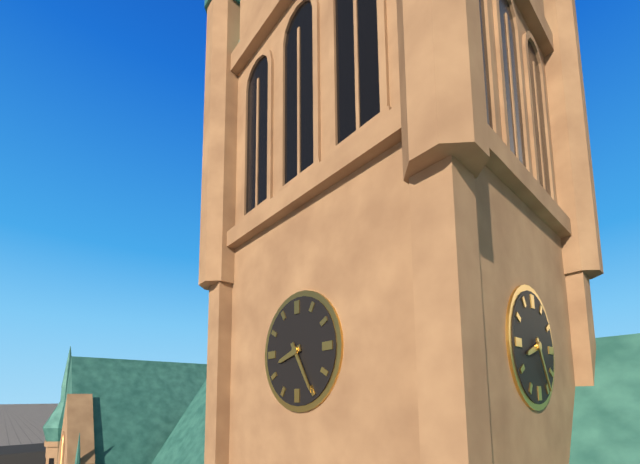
8:25
